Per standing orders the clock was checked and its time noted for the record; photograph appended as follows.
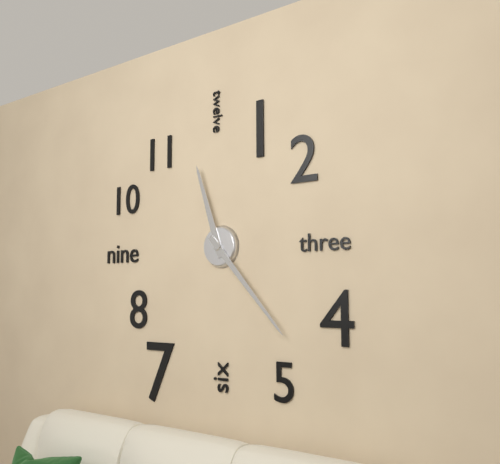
11:23
